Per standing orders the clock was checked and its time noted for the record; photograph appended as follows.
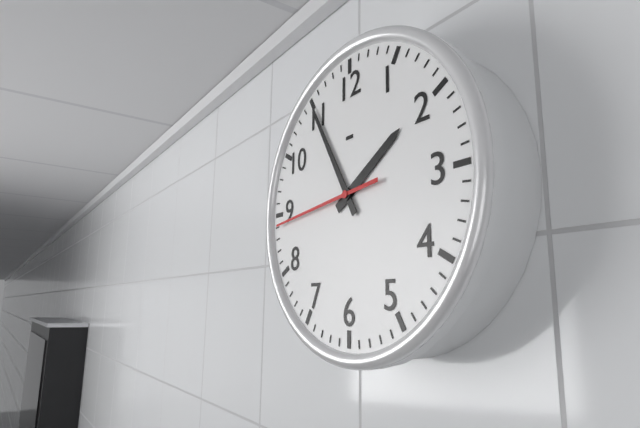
1:55:44
